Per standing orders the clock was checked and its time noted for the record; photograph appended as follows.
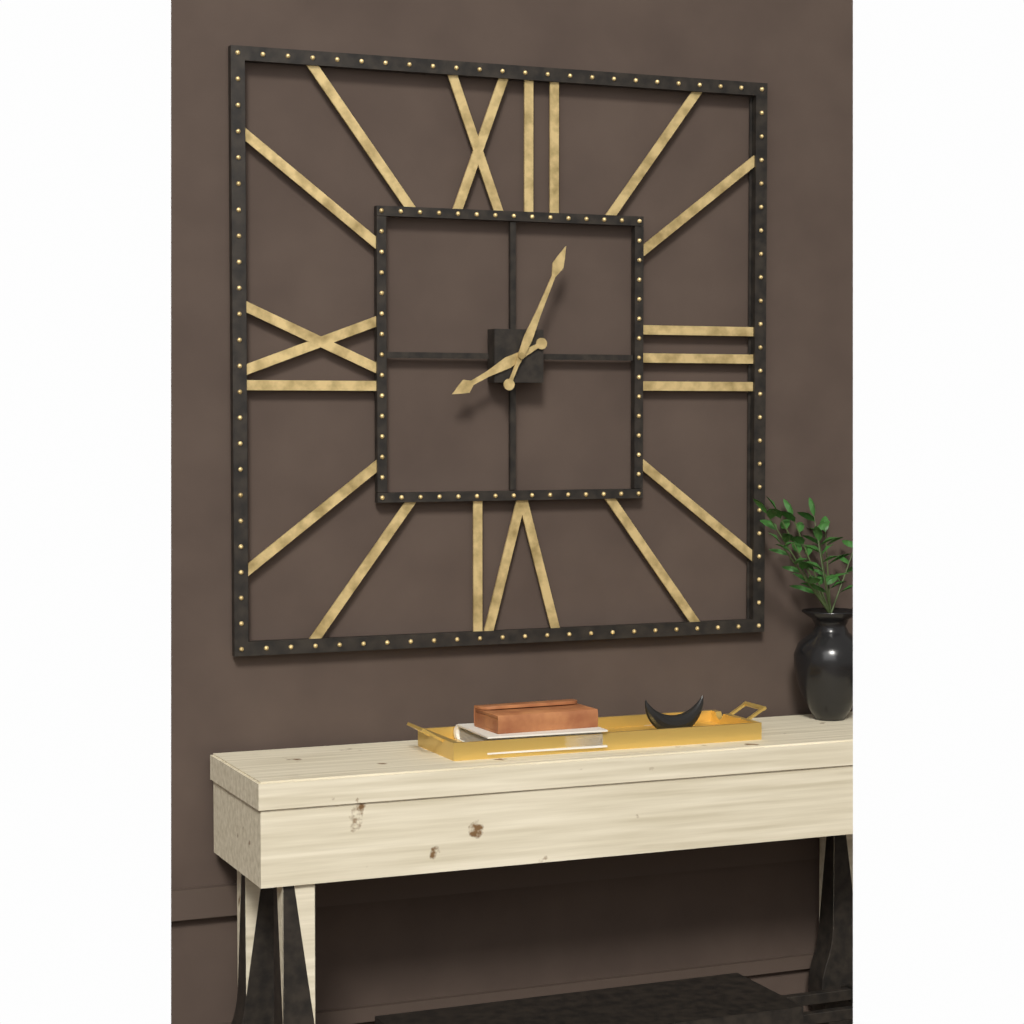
8:04
